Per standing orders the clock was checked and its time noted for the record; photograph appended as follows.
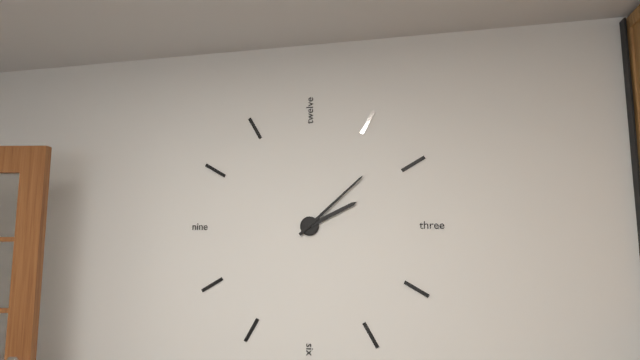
2:08
